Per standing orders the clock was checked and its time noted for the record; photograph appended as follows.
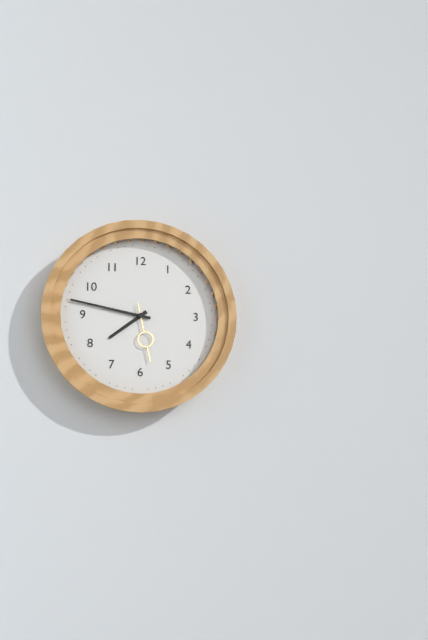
7:47:28
